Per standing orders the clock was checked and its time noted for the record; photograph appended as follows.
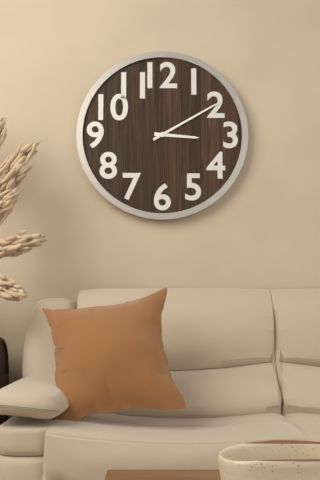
3:10
